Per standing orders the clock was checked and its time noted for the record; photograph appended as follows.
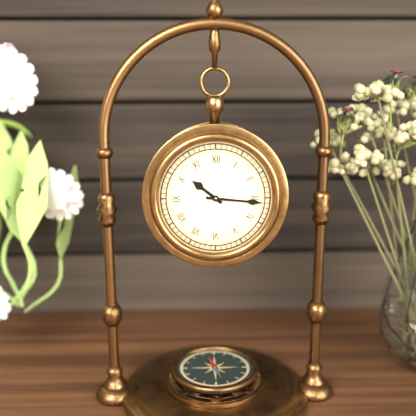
10:16
